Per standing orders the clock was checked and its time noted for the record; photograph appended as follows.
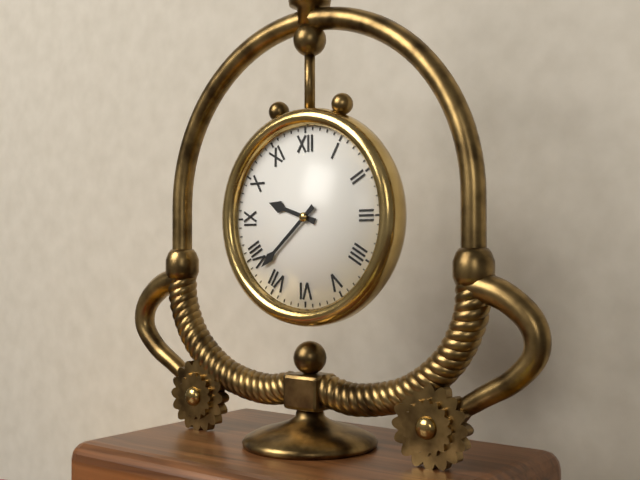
9:38
